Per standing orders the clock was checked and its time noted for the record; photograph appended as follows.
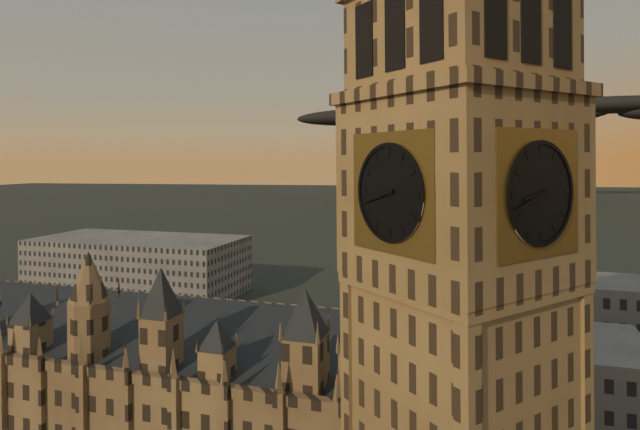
8:42
